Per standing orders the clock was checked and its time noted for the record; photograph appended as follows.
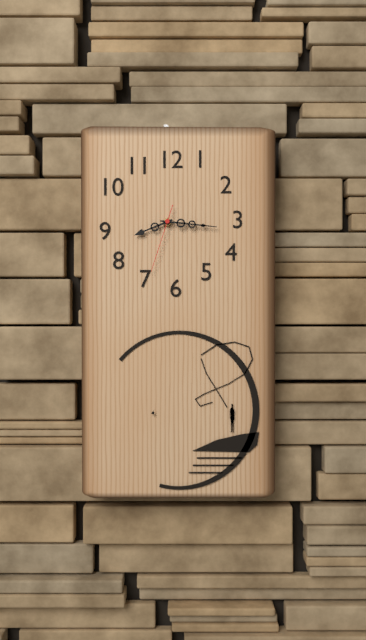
8:16:33
